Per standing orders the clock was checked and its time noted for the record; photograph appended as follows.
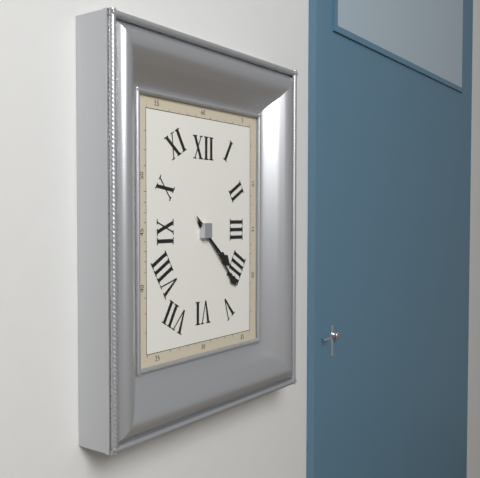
4:23
